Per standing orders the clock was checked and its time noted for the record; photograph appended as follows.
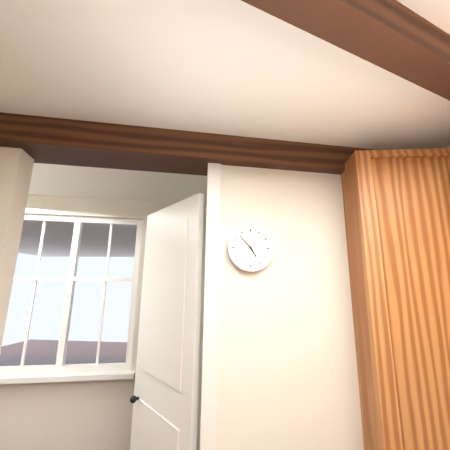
4:53
